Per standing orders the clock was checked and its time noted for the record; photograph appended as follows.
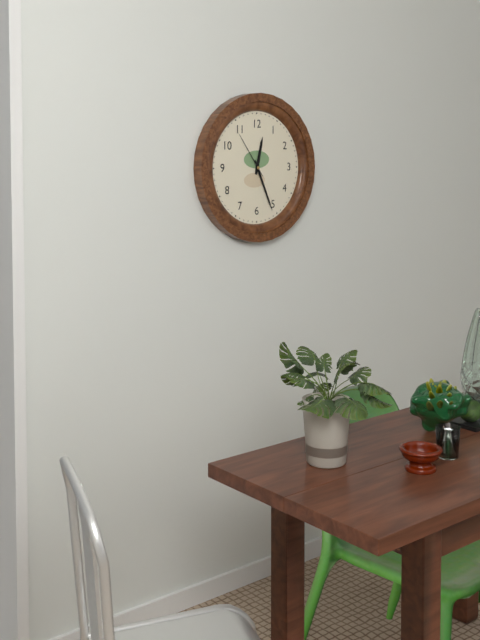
12:26
